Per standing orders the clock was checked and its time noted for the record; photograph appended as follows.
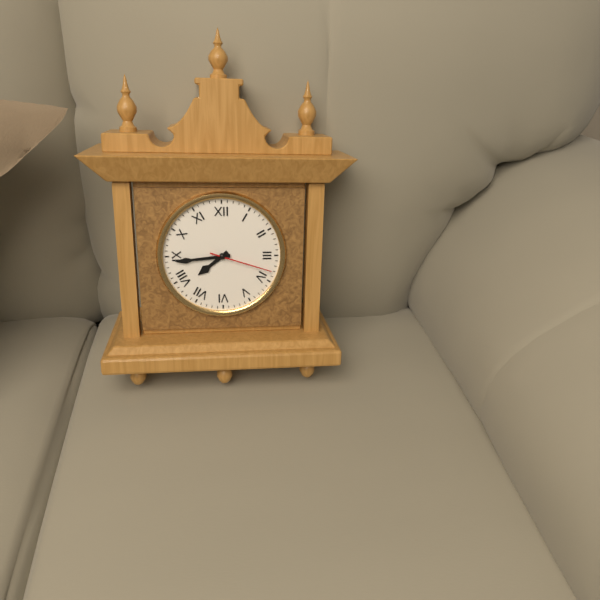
7:44:18
